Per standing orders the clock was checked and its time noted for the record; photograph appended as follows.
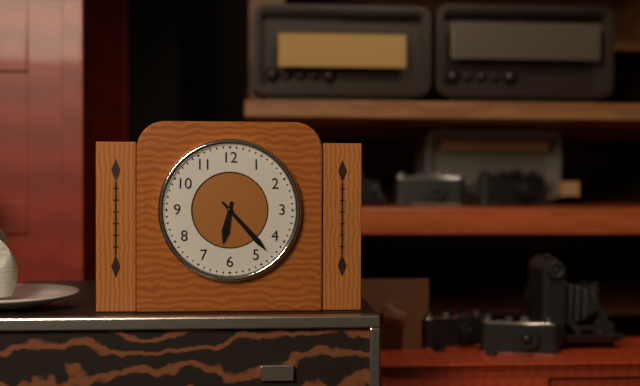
6:23
